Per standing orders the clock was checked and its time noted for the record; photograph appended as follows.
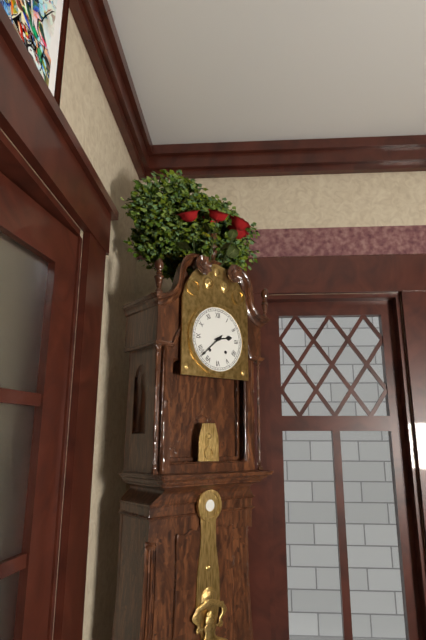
2:38
